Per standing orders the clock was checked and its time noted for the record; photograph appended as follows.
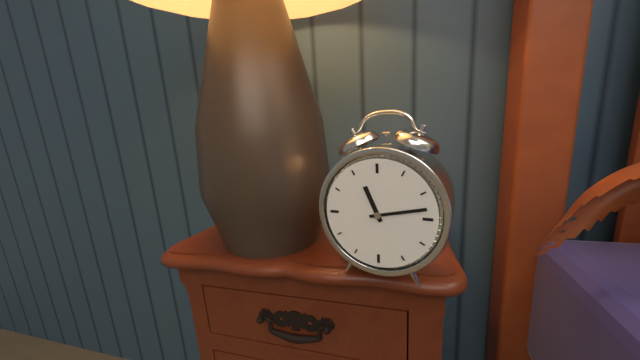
11:13
